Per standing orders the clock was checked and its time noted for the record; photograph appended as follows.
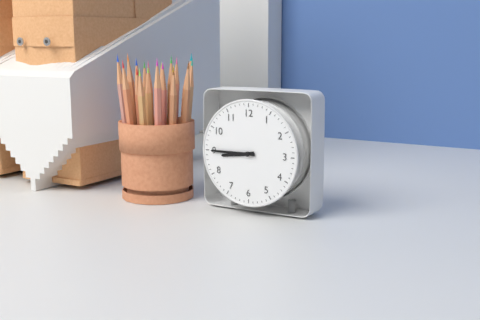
8:45
